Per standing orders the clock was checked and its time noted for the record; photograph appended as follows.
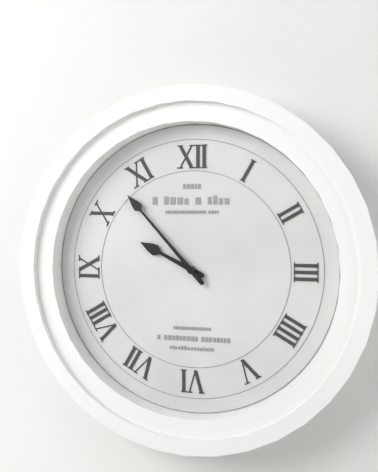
9:53
